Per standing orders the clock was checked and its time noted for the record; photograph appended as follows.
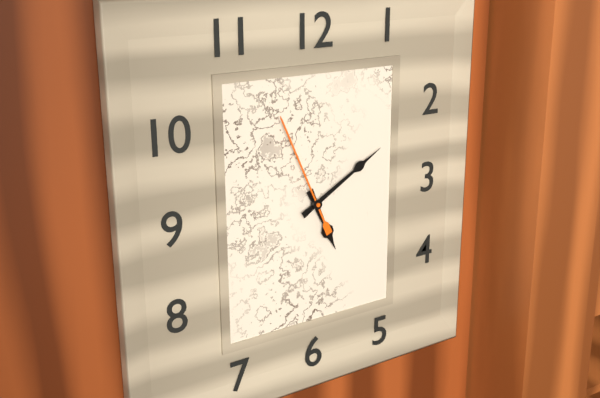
5:10:56
